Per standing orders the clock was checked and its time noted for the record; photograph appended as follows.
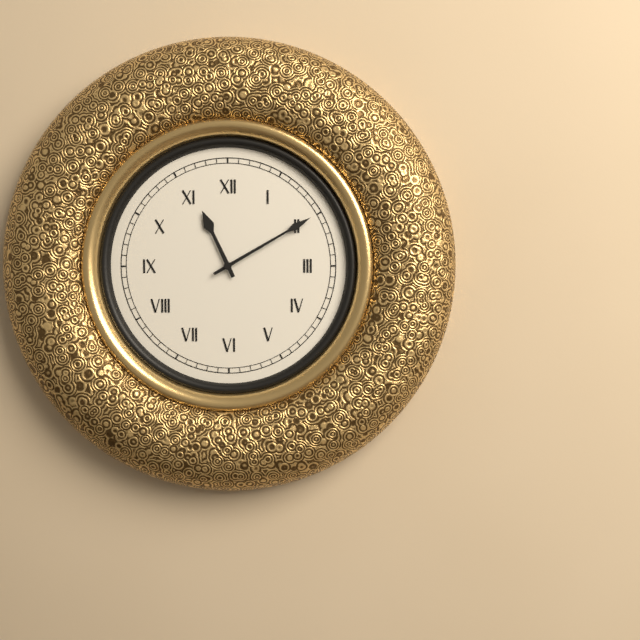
11:10
